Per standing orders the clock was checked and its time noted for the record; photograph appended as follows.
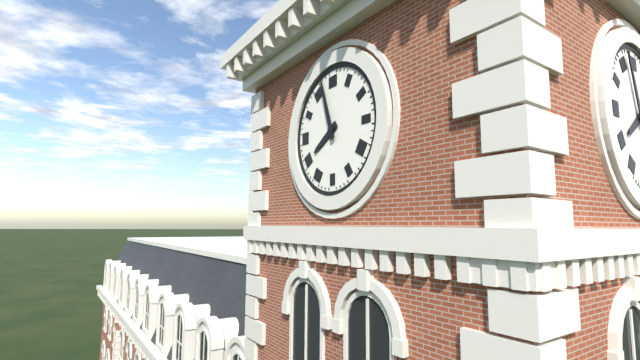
7:57
